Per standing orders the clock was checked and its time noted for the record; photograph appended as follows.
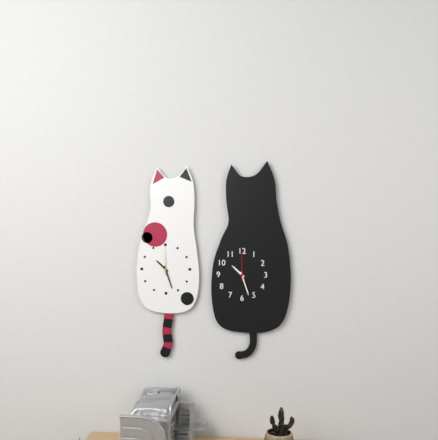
10:27
